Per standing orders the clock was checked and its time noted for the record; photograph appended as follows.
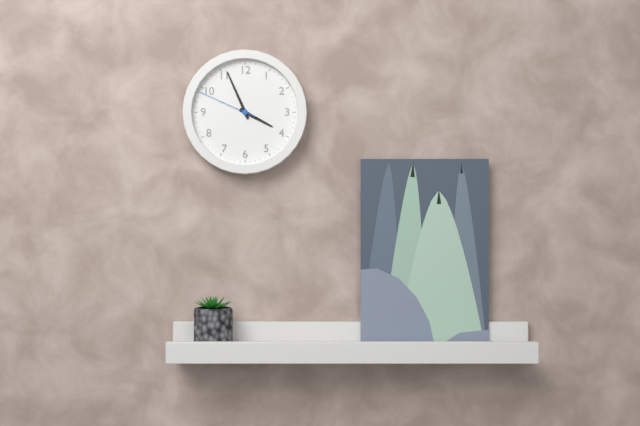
3:56:49
